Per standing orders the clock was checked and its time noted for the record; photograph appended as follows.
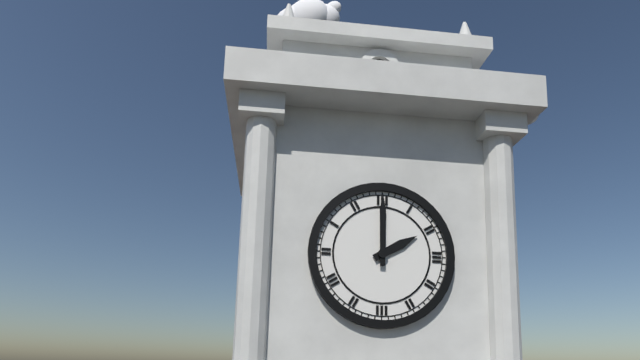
2:00
